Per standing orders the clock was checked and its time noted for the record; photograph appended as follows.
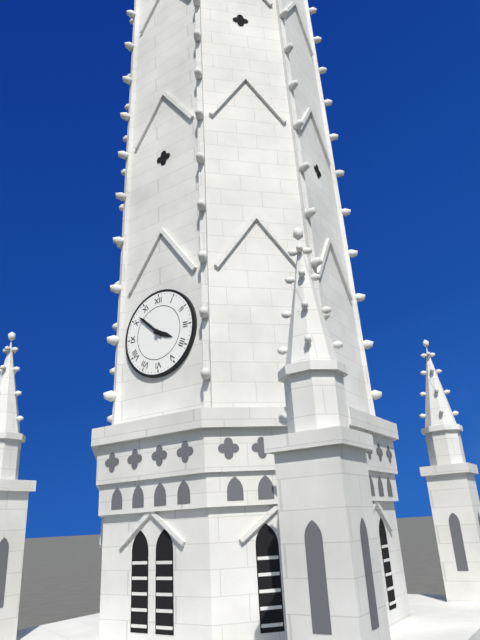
3:52
